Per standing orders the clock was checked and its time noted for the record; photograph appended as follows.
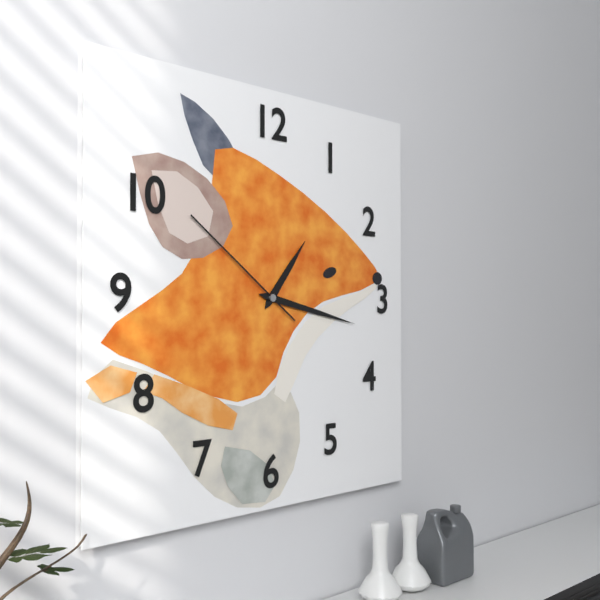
1:17:51
